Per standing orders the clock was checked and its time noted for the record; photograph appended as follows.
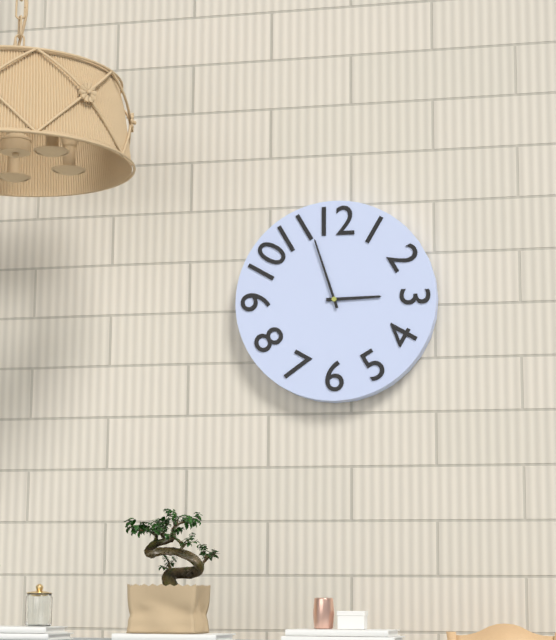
2:57
